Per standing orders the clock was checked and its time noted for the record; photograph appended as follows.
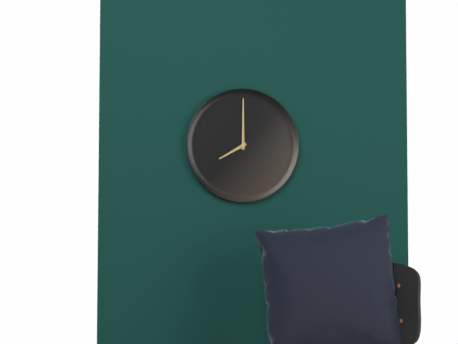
8:00
